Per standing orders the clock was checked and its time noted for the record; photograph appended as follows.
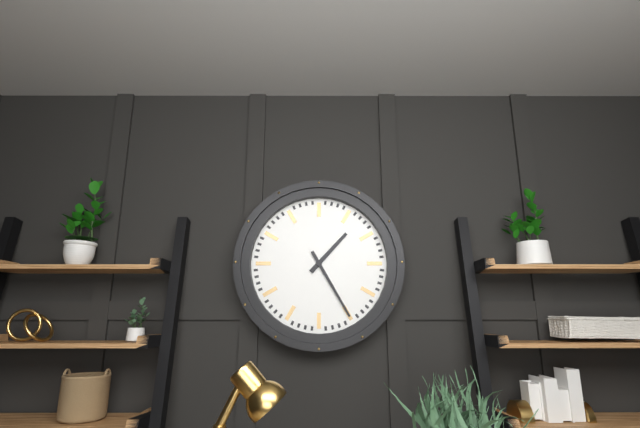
1:25
